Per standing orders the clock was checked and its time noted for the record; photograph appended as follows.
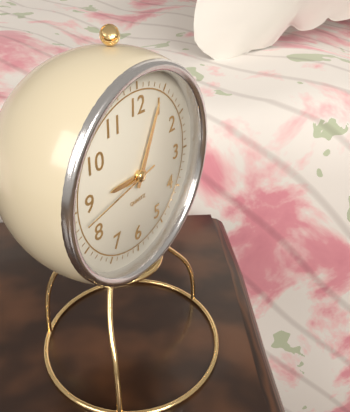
9:04:43
